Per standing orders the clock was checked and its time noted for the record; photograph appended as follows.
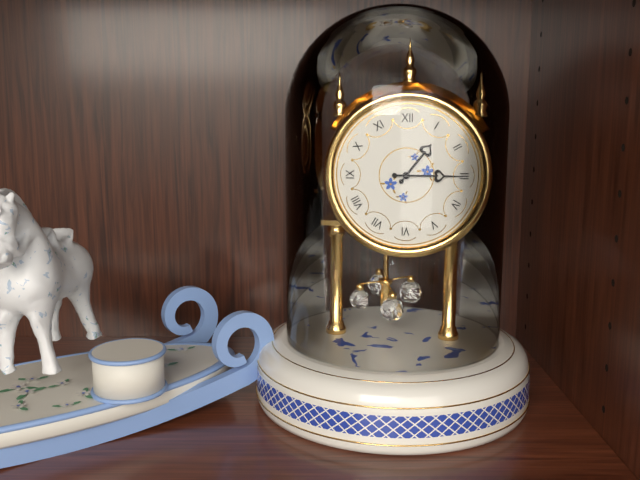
1:15
